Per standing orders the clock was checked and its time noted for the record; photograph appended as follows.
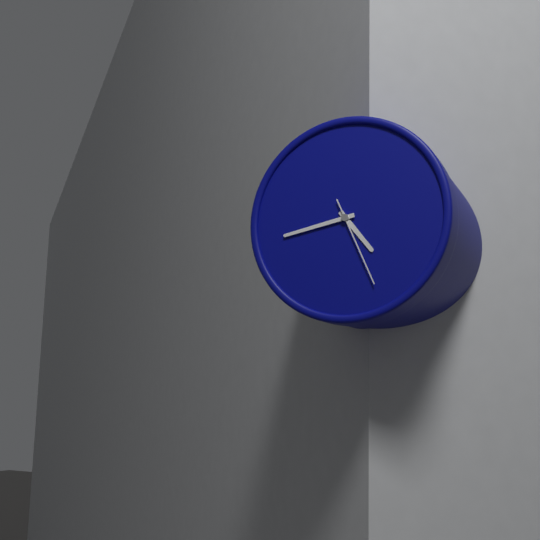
4:43:26
